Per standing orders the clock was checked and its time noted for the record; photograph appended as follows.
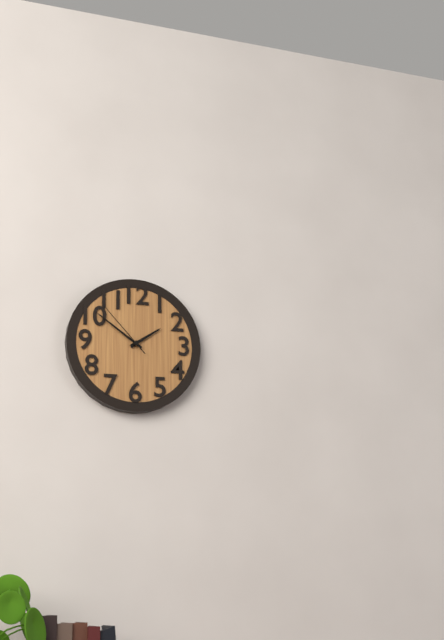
1:51:53
